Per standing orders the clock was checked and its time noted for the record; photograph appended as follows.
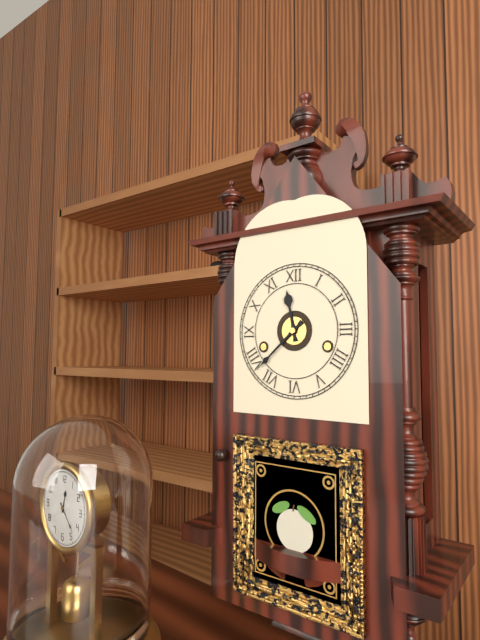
11:38
